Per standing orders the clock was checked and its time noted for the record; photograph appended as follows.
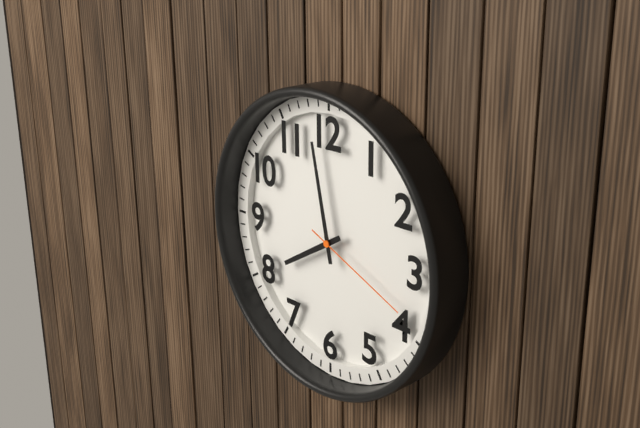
7:58:19
